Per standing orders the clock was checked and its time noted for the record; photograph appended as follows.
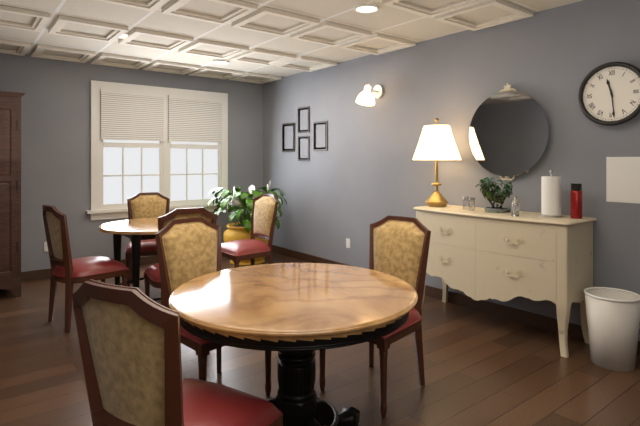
11:29
